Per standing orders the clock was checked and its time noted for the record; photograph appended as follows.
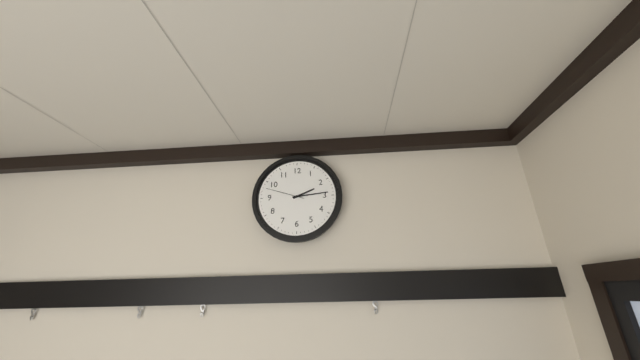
2:14
